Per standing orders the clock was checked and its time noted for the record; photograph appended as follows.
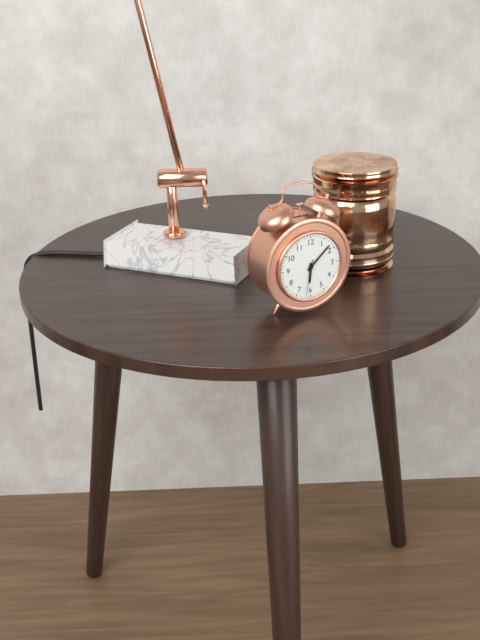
6:08
